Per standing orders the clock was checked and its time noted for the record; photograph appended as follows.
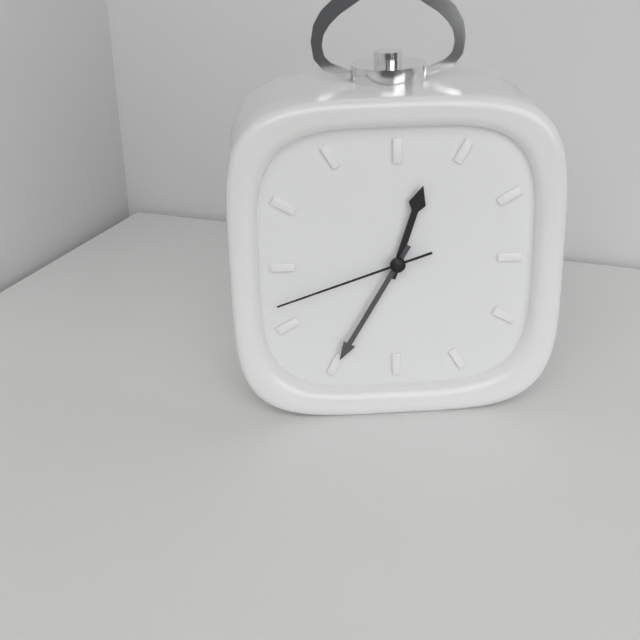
12:35:42
